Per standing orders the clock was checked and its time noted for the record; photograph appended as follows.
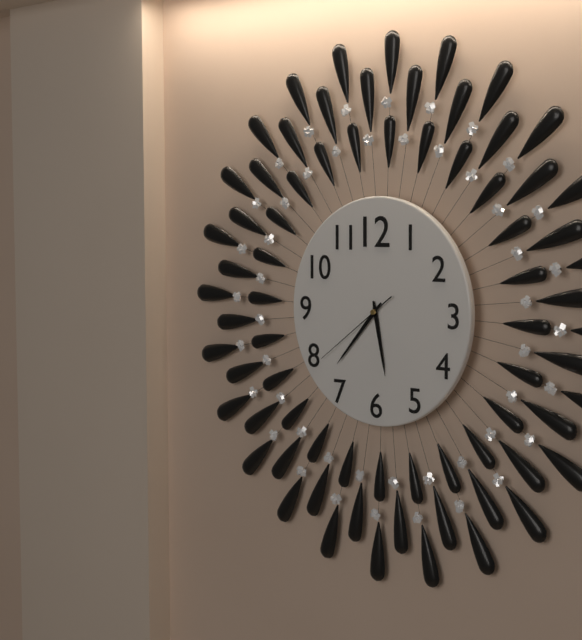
5:37:39
